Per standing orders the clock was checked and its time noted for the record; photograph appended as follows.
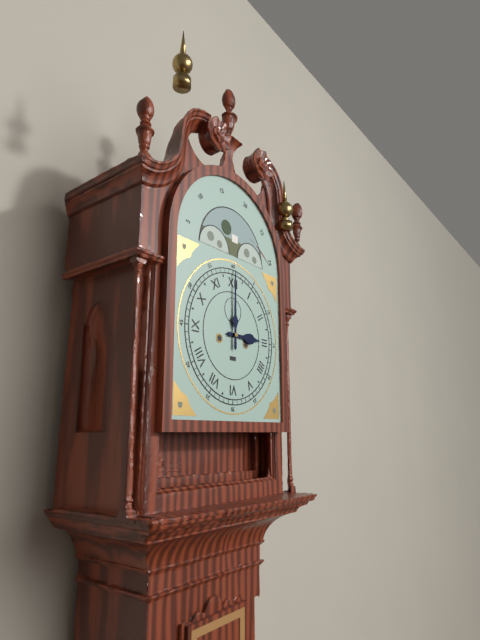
3:00
